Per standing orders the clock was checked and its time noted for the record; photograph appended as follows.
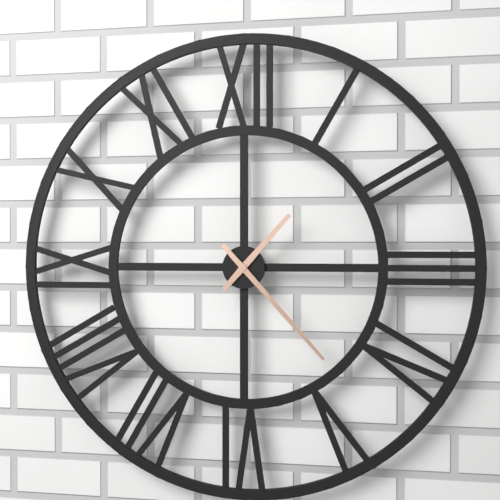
1:23
